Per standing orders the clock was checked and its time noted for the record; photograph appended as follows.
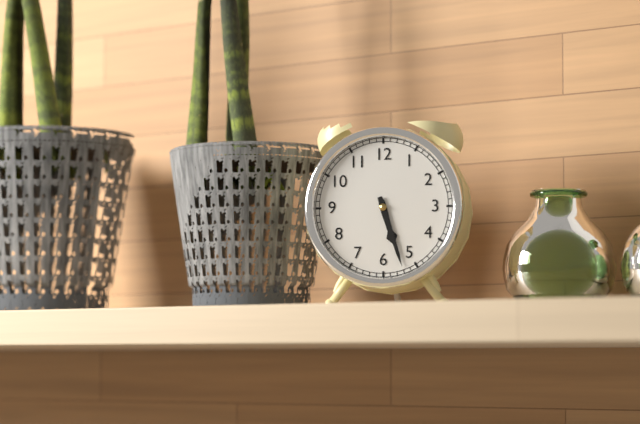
5:27
